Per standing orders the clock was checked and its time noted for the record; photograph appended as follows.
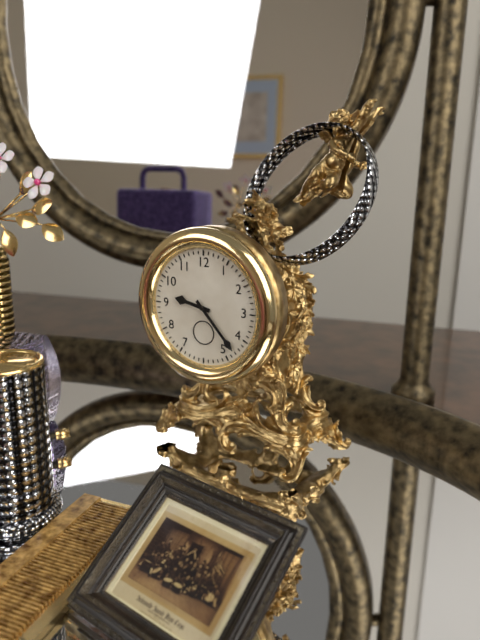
9:23
